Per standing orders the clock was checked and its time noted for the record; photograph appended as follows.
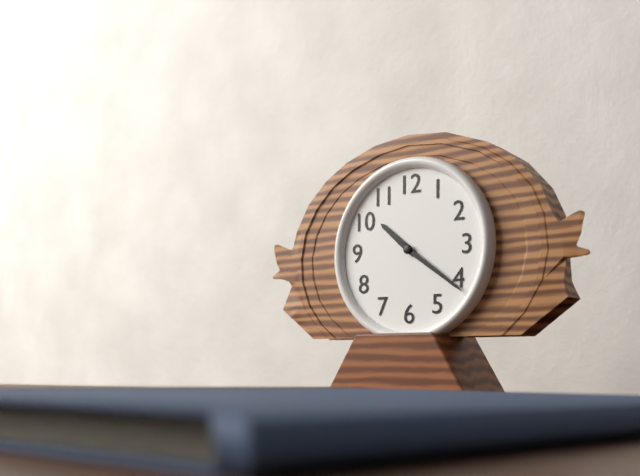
10:21
